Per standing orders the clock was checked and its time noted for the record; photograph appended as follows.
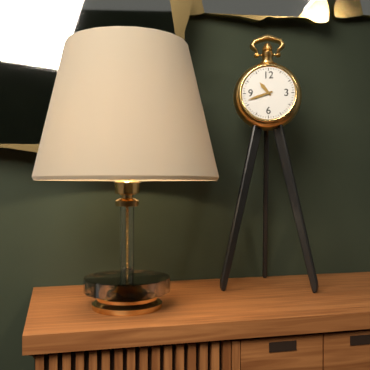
10:42
